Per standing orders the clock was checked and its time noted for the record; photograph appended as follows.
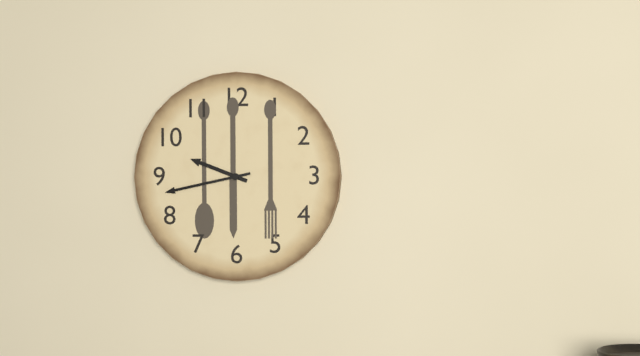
9:43
